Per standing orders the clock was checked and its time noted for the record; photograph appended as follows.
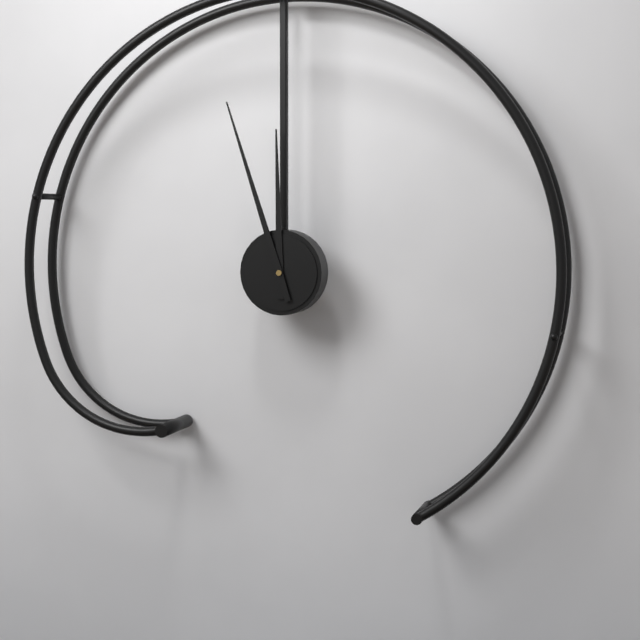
11:57
